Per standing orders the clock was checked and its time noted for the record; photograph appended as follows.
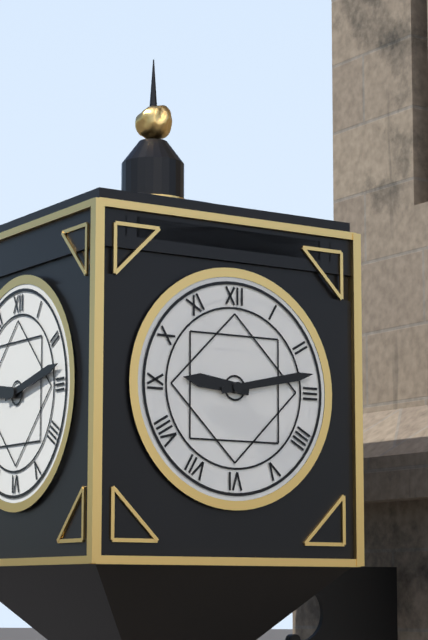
9:13
